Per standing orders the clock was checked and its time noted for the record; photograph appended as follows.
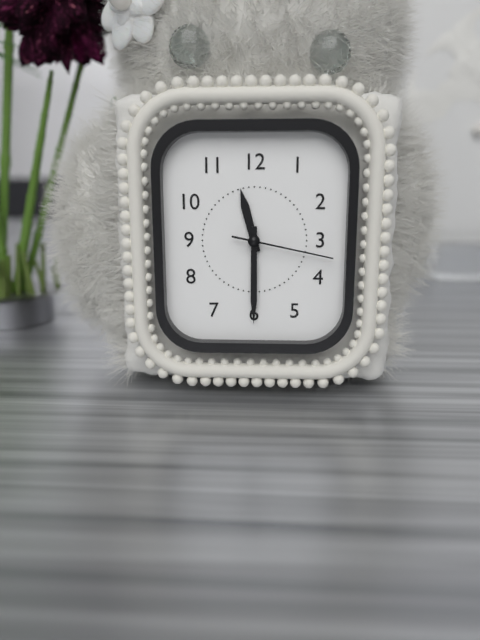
11:30:17
